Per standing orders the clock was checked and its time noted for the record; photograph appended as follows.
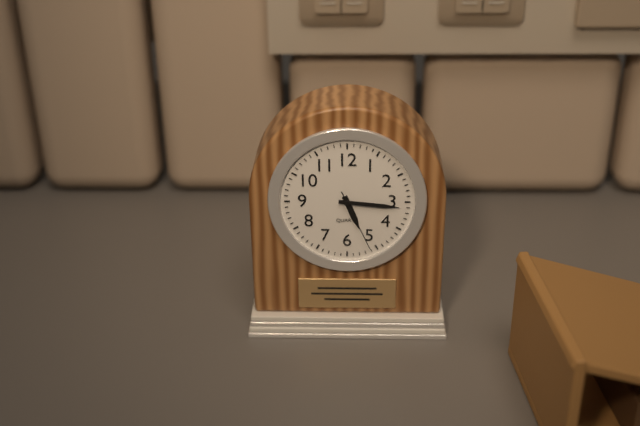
5:16:26
